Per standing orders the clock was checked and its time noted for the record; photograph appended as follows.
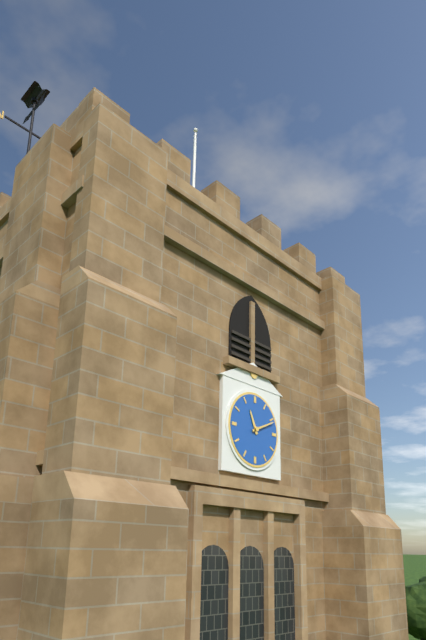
11:11
